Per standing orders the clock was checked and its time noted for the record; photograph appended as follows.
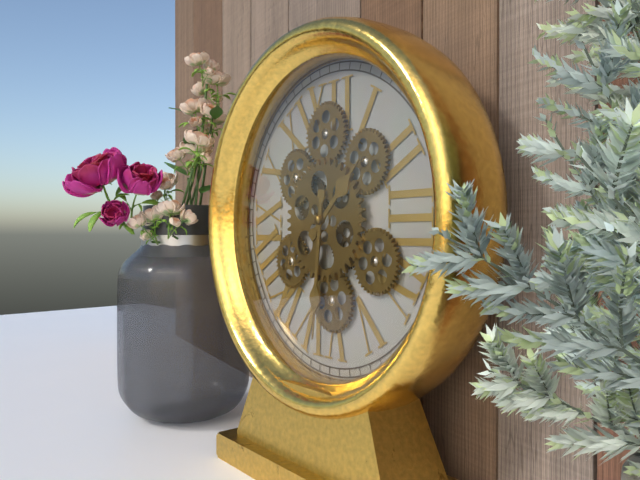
1:31
